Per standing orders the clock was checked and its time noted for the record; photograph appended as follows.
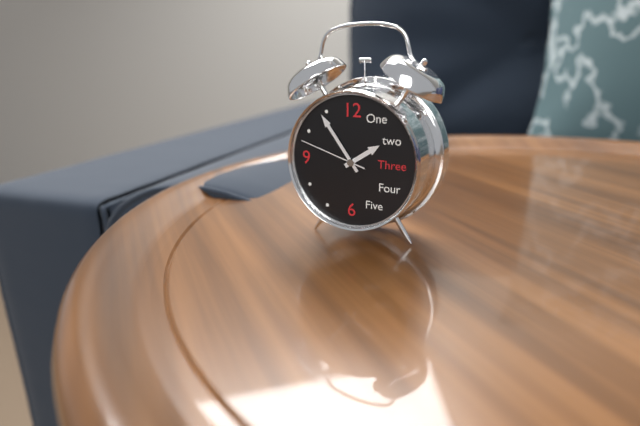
1:54:48
